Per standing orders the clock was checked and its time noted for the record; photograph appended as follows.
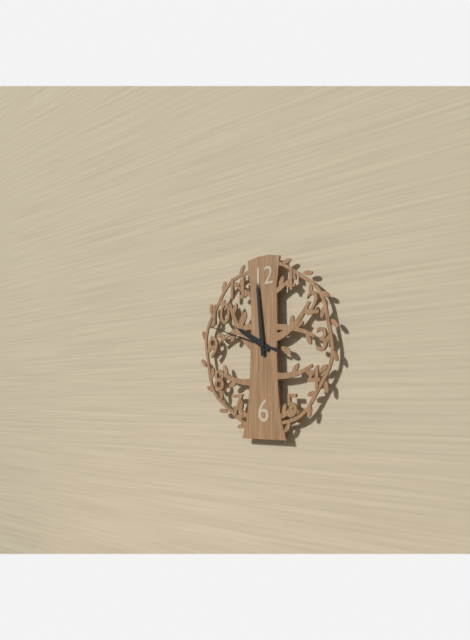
9:59:48
